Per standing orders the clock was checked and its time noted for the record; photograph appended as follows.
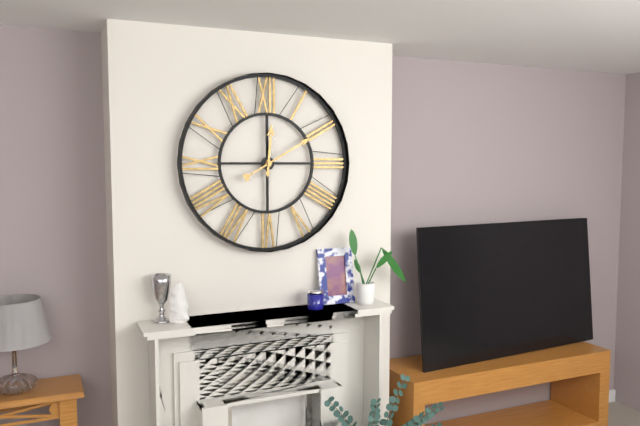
12:10
